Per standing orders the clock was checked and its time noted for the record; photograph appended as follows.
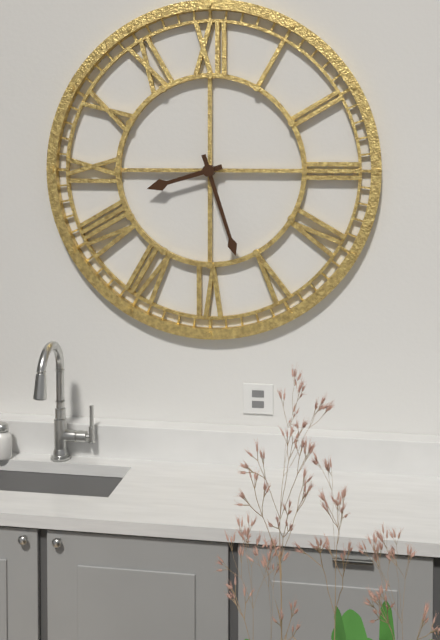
8:27
